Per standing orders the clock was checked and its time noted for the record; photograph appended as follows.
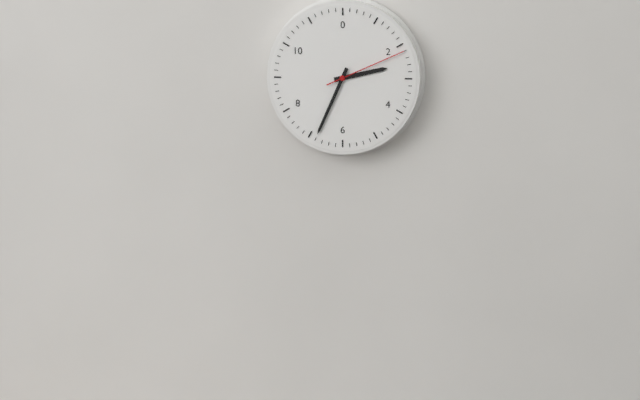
2:34:11
